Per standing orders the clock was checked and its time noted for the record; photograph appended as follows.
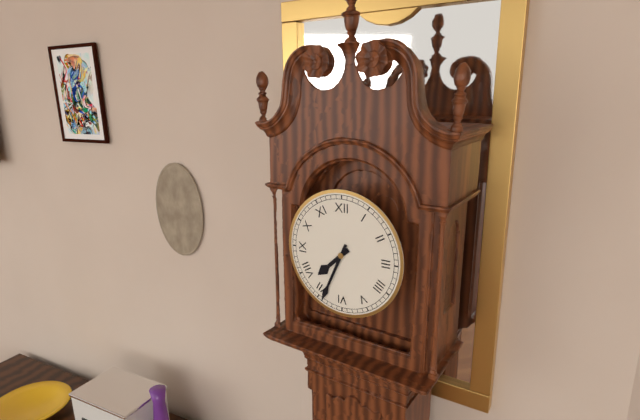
7:34
